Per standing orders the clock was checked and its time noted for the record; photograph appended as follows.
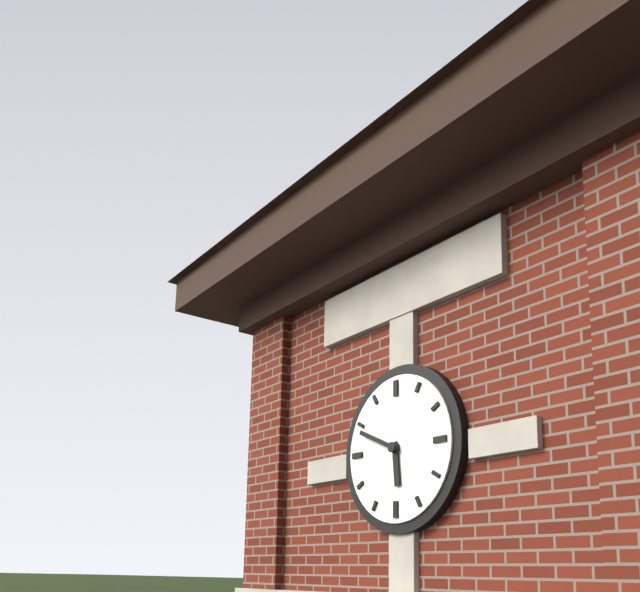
5:49
